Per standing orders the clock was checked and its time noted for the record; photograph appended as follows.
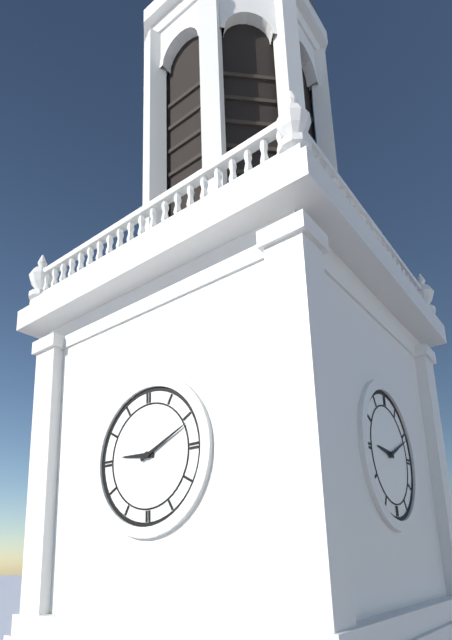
9:11
